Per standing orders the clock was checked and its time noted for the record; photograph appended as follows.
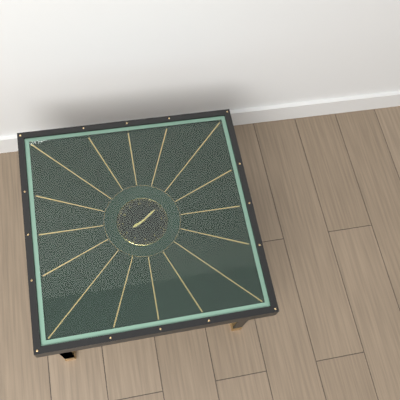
8:09
